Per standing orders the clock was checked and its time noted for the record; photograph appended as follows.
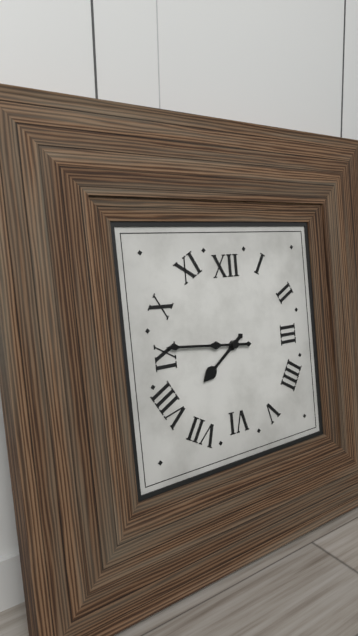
7:46
